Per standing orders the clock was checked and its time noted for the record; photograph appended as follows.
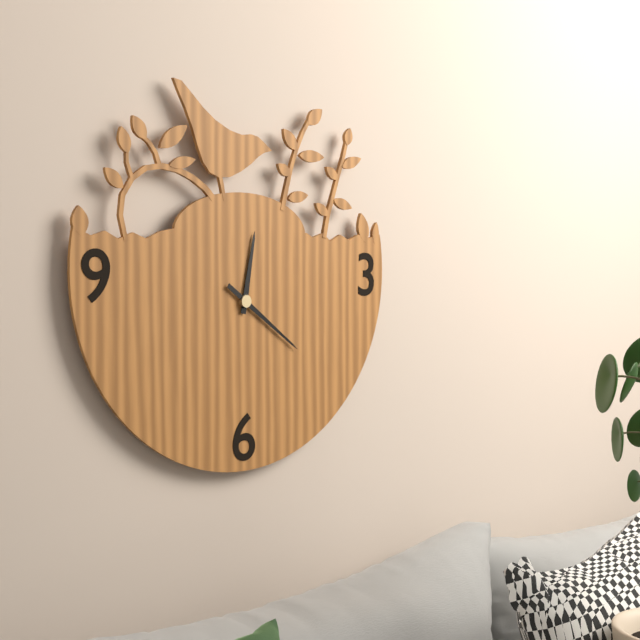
12:21
